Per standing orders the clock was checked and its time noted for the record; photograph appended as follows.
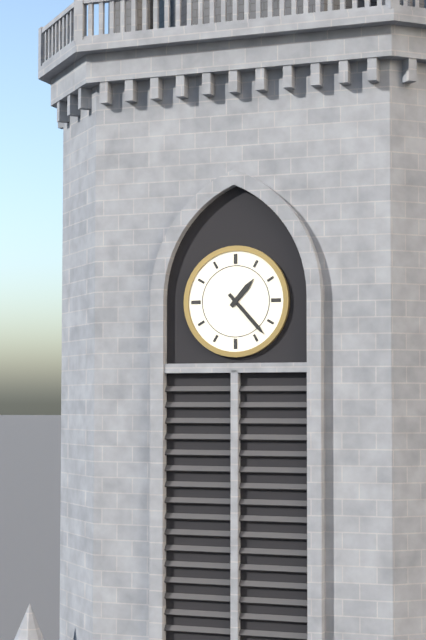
1:23
